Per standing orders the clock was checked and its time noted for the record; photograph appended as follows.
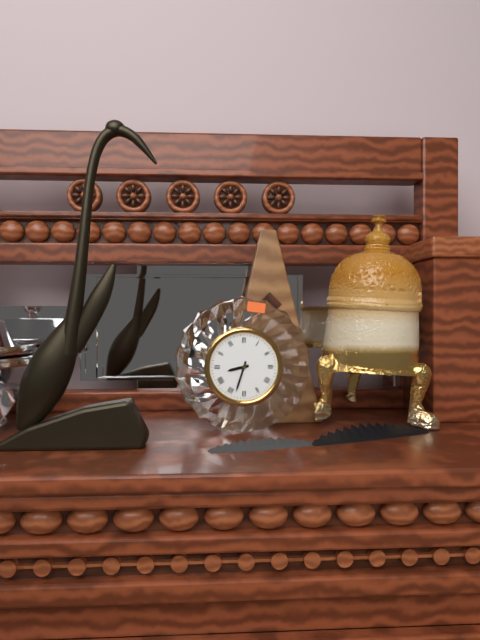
8:33
